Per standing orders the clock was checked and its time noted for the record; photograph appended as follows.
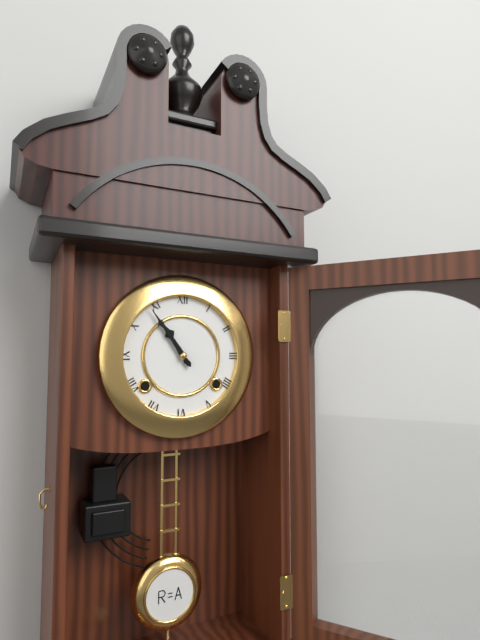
10:54
